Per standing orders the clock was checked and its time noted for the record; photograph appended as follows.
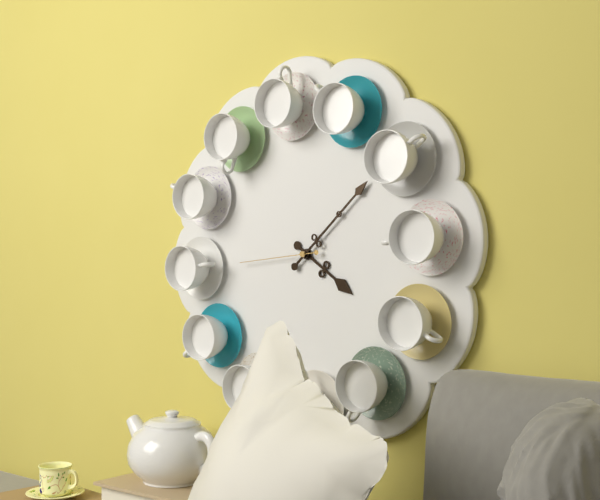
4:08:44
